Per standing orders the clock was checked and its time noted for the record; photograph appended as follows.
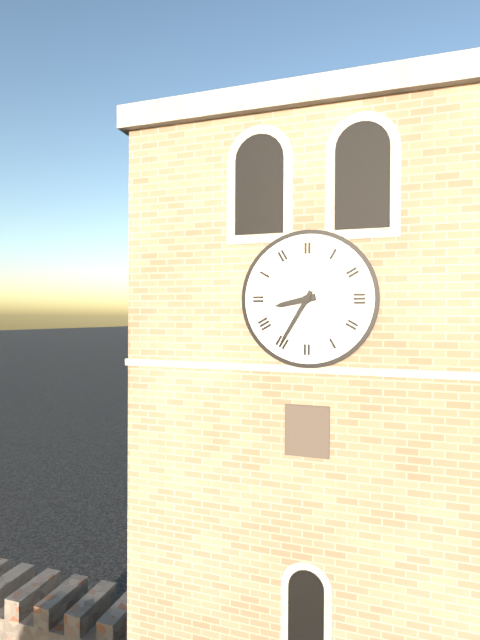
8:35
